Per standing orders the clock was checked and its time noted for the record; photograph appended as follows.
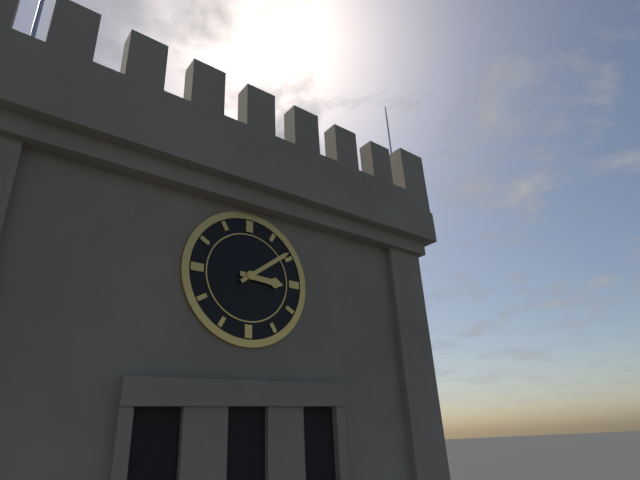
3:09
